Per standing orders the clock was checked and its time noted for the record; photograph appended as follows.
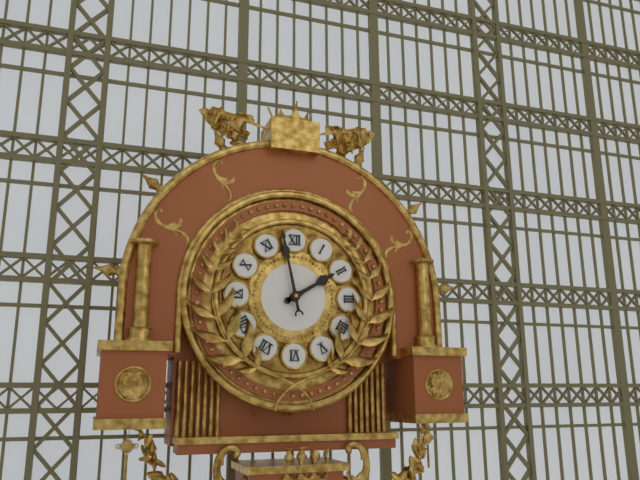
1:58
